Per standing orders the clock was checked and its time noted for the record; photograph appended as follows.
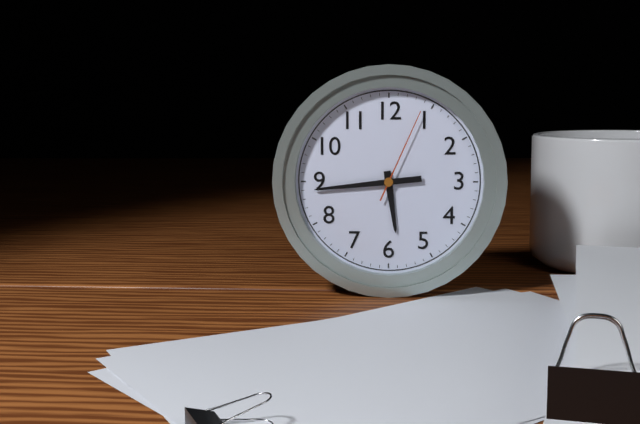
5:44:04
